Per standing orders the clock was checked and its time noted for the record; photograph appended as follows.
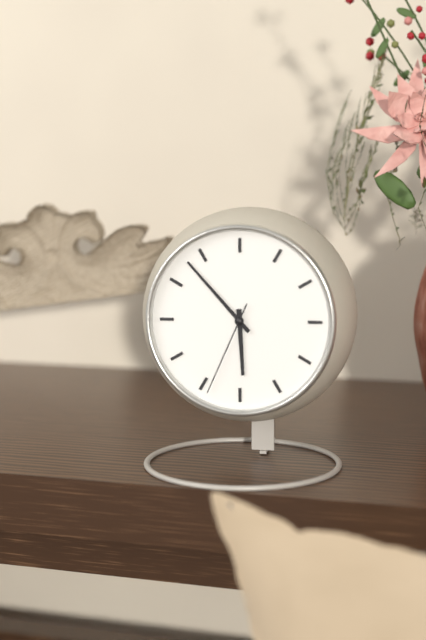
5:53:34
